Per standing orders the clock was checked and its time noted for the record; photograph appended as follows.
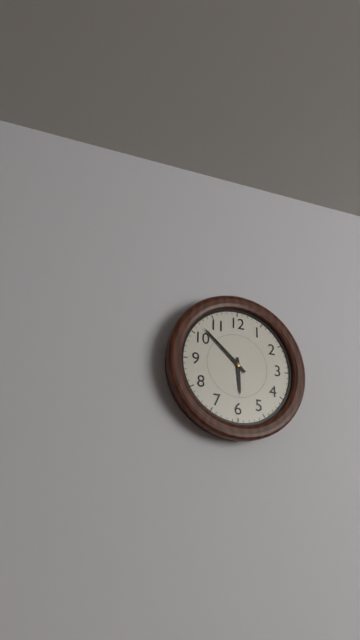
5:52
